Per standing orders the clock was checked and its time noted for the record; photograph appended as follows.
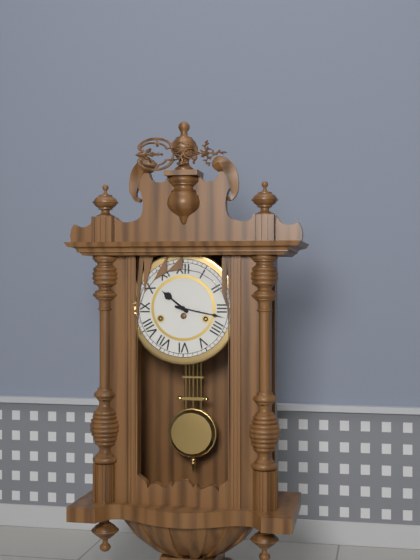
10:17
